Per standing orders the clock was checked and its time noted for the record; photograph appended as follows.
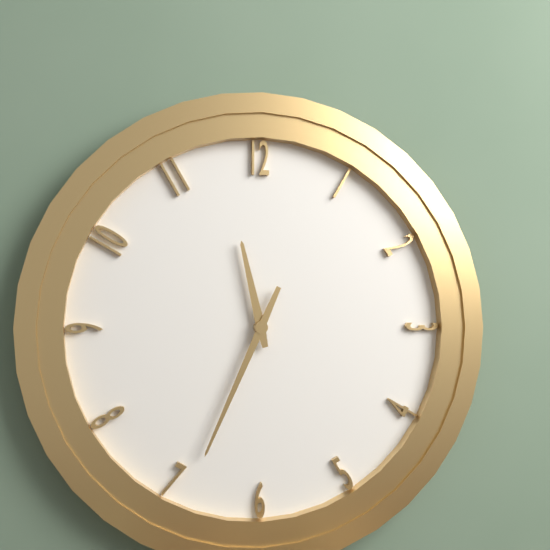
11:34
